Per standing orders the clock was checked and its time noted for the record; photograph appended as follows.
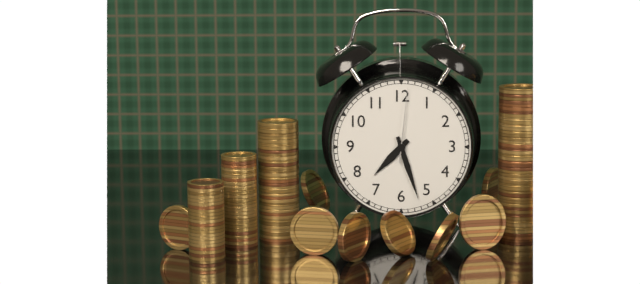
7:27:01
